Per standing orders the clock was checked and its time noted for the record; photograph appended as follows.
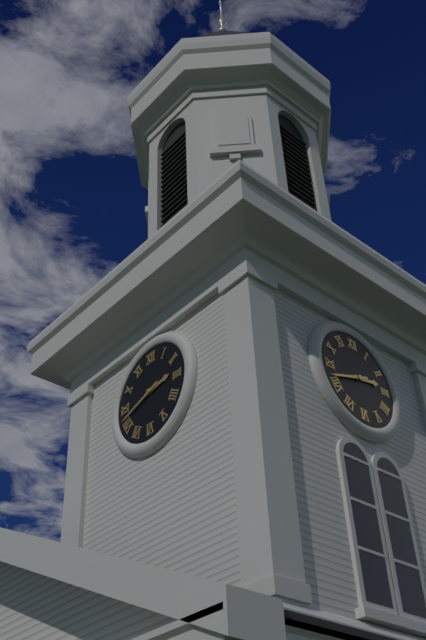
2:42
